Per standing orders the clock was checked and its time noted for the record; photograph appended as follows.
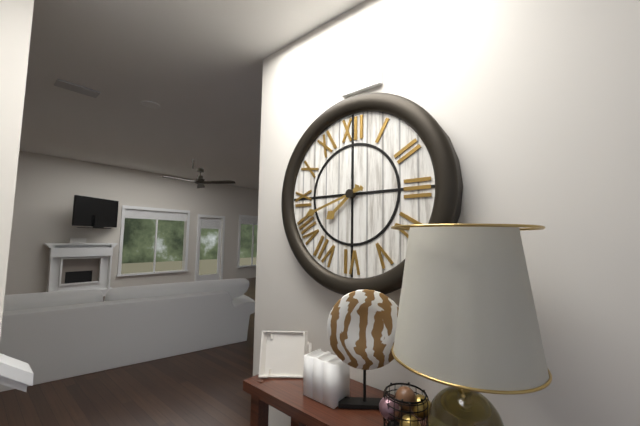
7:42
